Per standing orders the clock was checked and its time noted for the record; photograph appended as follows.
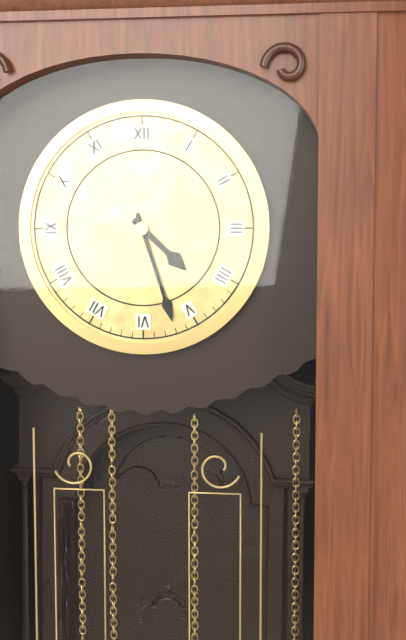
4:27
